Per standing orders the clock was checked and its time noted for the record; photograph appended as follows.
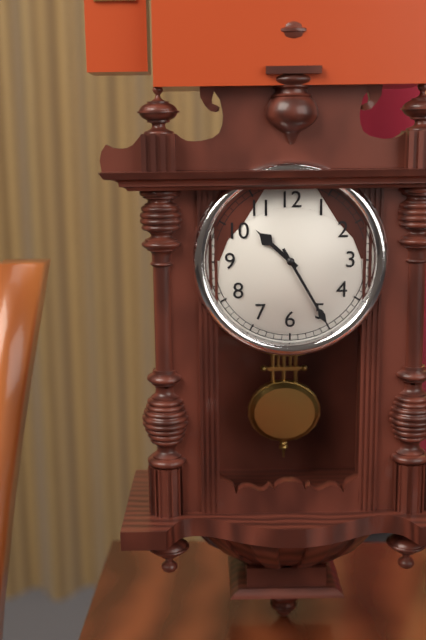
10:25
